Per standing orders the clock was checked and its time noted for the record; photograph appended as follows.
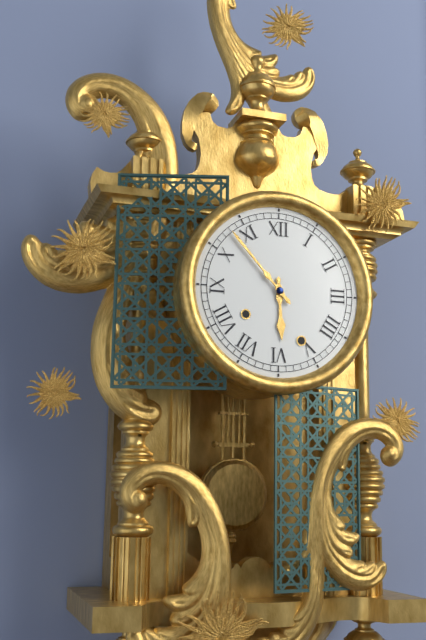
5:53
